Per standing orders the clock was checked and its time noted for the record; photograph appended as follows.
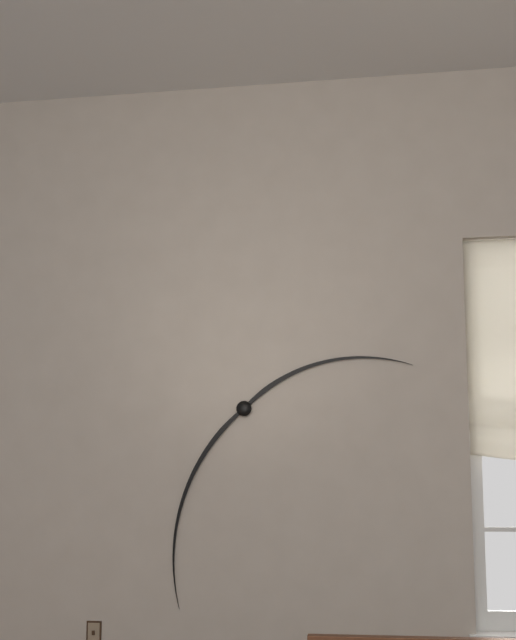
2:33
